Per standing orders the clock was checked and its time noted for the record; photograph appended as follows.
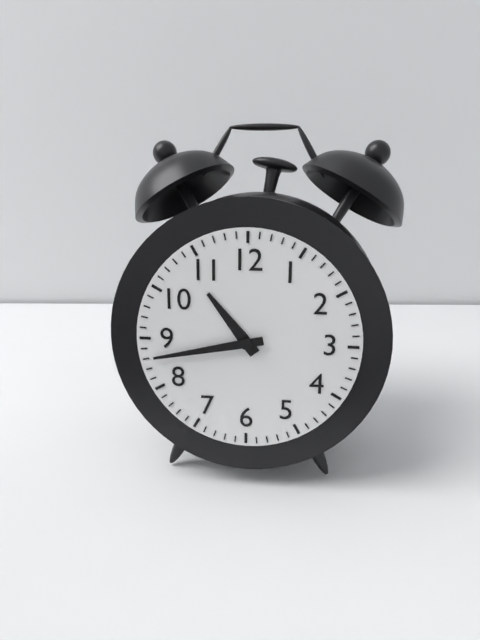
10:43
